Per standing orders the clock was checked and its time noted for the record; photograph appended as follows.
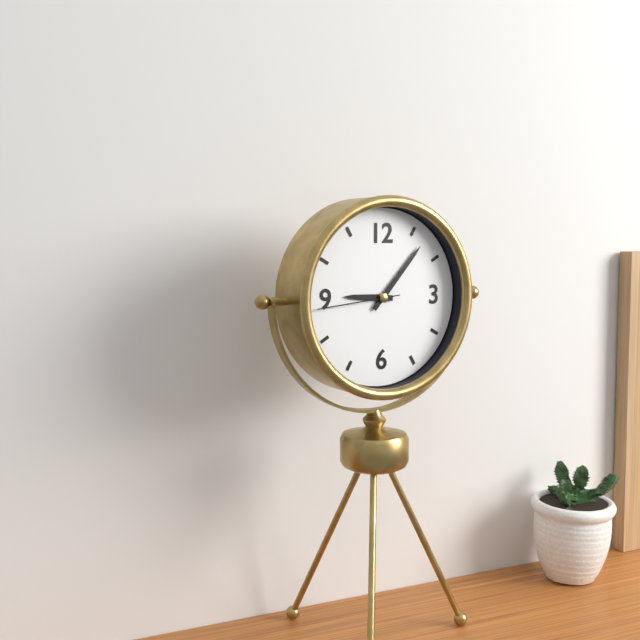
9:07:44
